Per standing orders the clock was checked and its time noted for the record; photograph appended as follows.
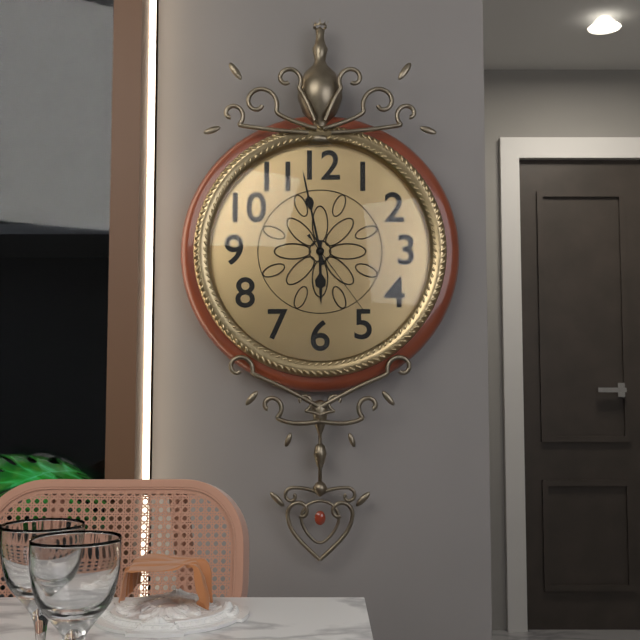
5:58:24
